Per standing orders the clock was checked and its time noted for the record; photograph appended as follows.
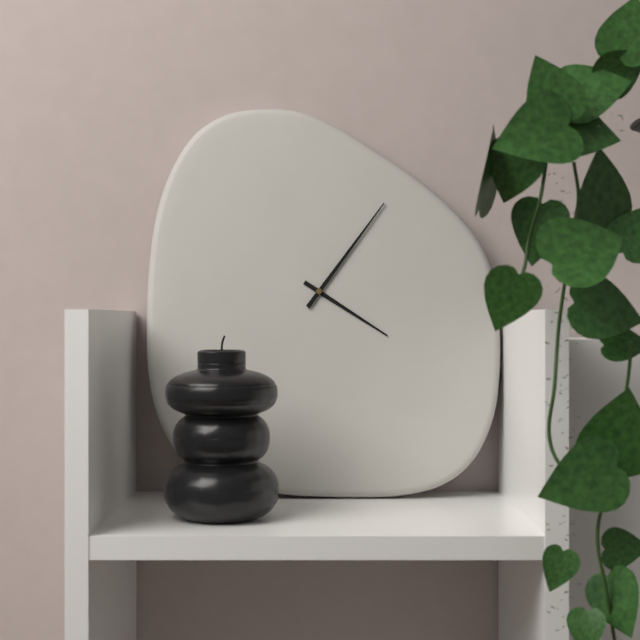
4:06
